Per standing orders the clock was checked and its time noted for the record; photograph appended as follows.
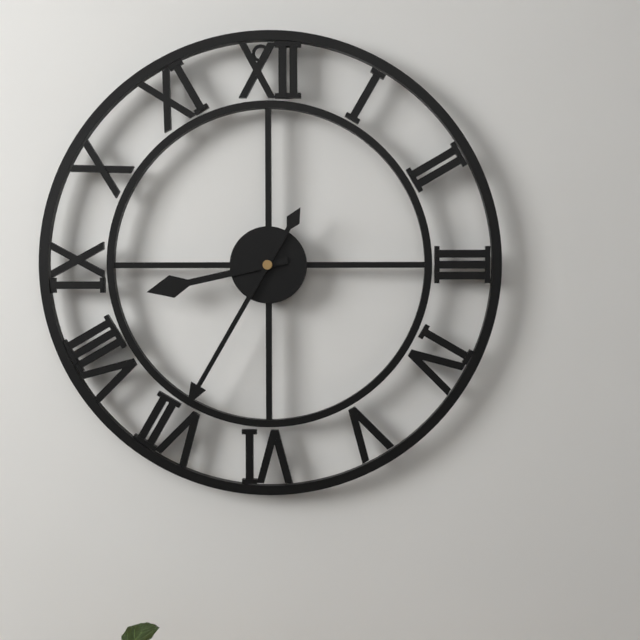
8:35
